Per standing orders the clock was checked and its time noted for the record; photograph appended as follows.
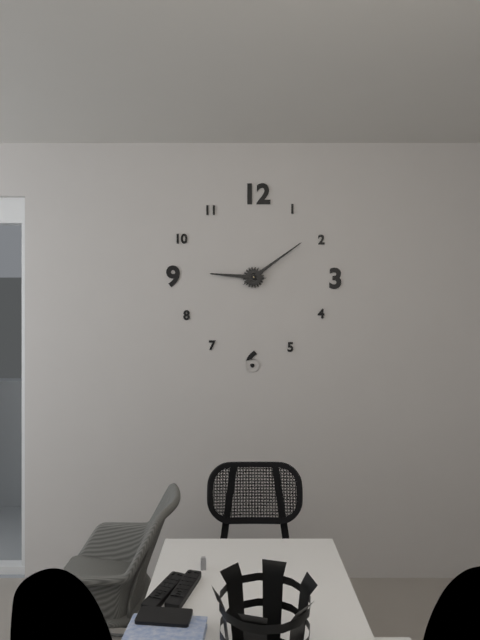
9:09
